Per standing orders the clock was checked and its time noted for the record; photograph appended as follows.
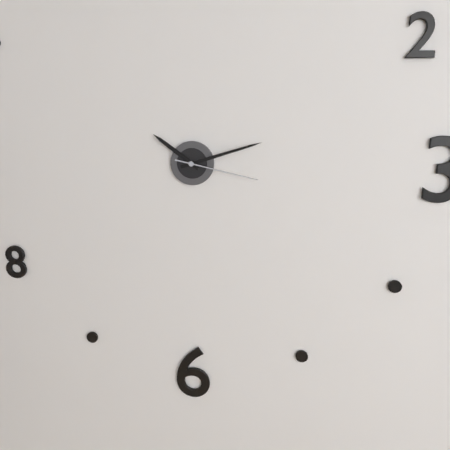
10:12:17
